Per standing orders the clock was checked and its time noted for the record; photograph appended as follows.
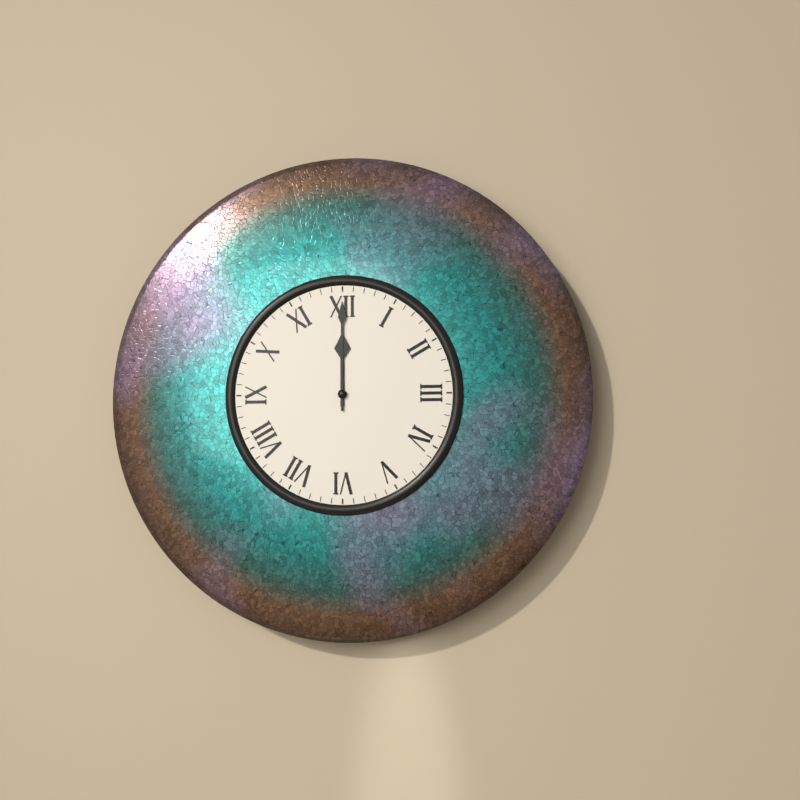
12:00
